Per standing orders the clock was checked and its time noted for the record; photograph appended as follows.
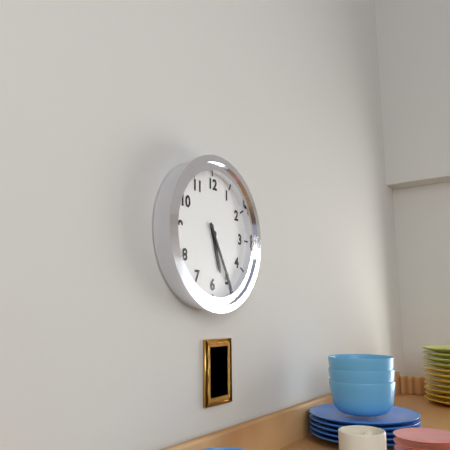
5:25
